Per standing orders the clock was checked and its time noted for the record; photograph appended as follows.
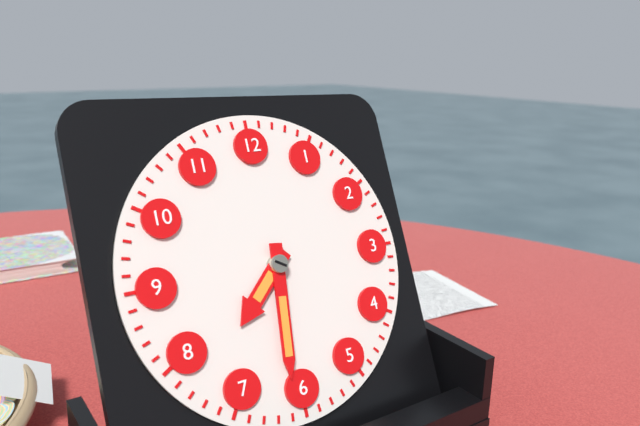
7:31
